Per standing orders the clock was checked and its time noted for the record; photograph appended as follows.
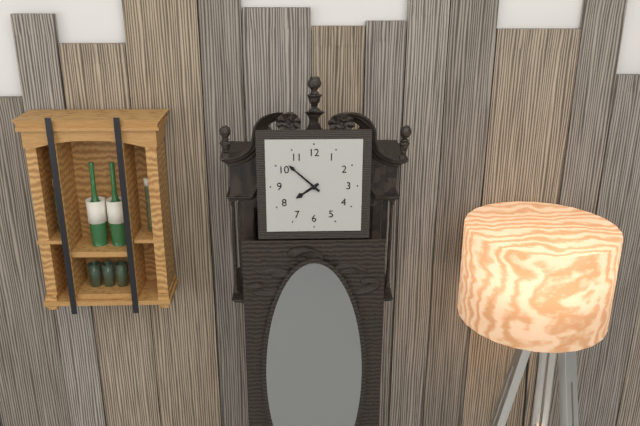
7:52
